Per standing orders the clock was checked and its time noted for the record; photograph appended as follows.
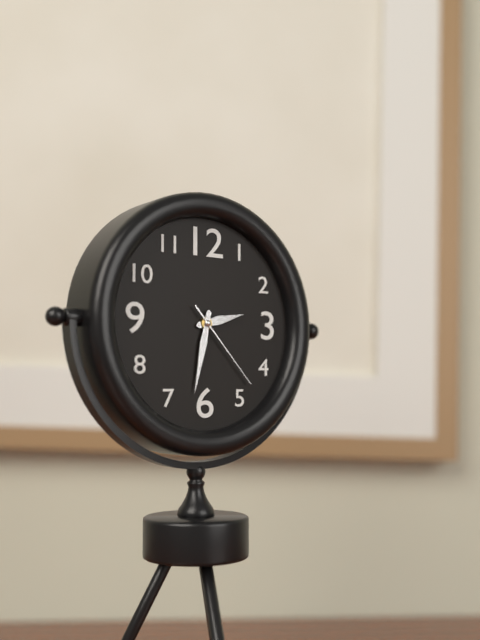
2:32:23
